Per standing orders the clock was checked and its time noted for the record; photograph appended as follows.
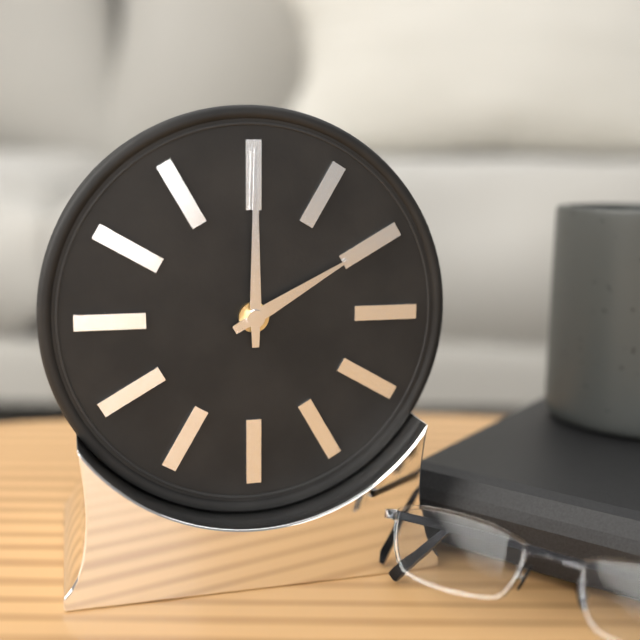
2:00
